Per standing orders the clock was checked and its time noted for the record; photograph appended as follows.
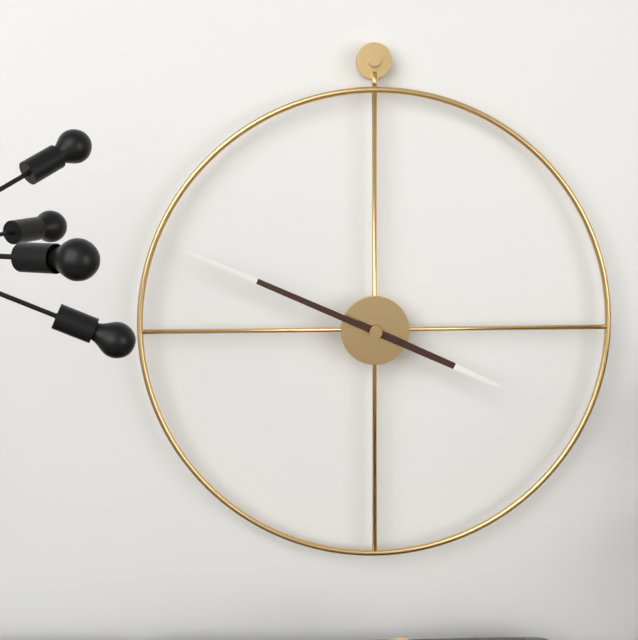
3:49
